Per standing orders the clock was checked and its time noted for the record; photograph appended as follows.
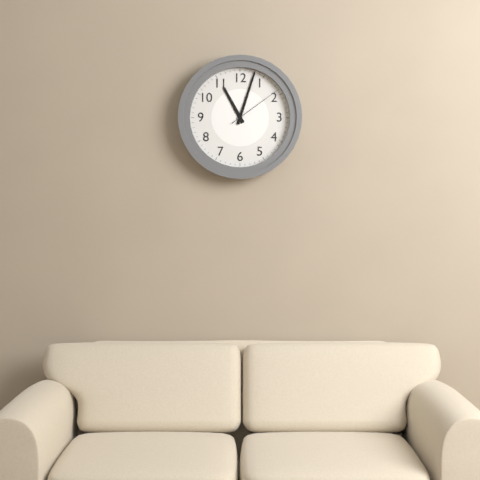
11:03:09
